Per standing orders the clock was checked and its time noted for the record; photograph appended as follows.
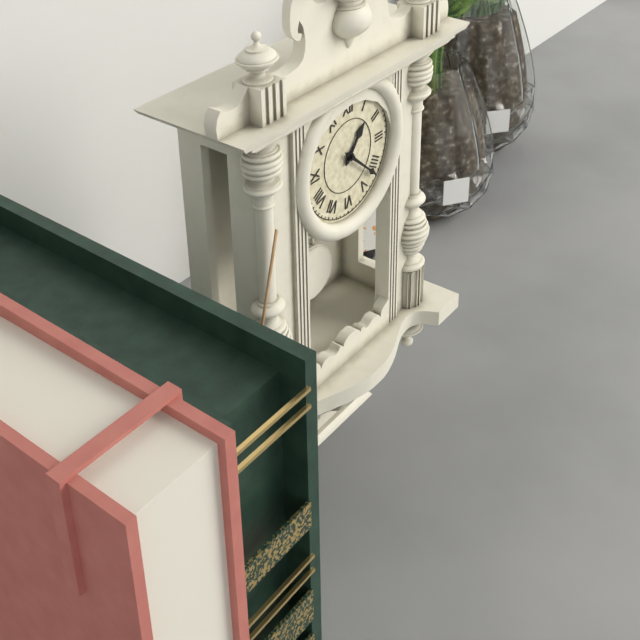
1:22
